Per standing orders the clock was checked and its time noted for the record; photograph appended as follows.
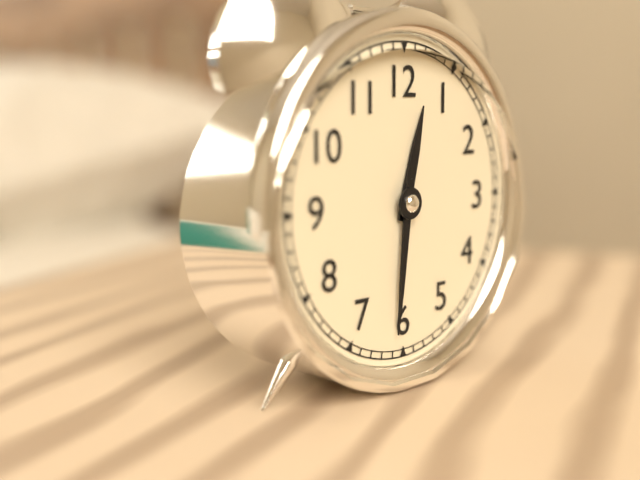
12:31
